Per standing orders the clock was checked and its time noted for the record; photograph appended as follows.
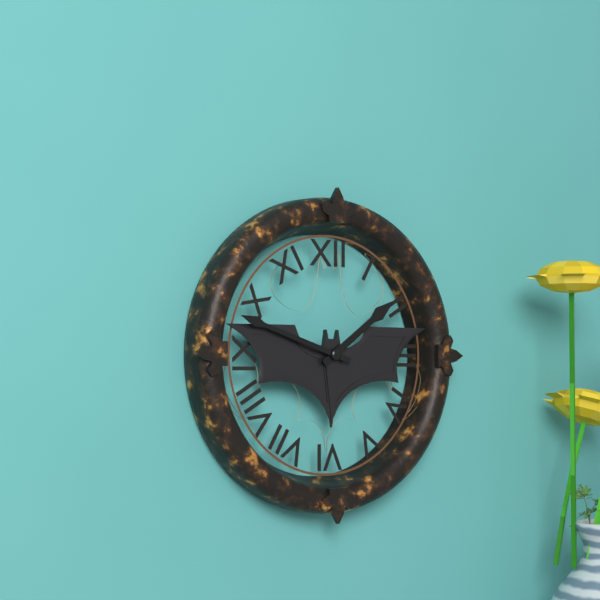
1:48
